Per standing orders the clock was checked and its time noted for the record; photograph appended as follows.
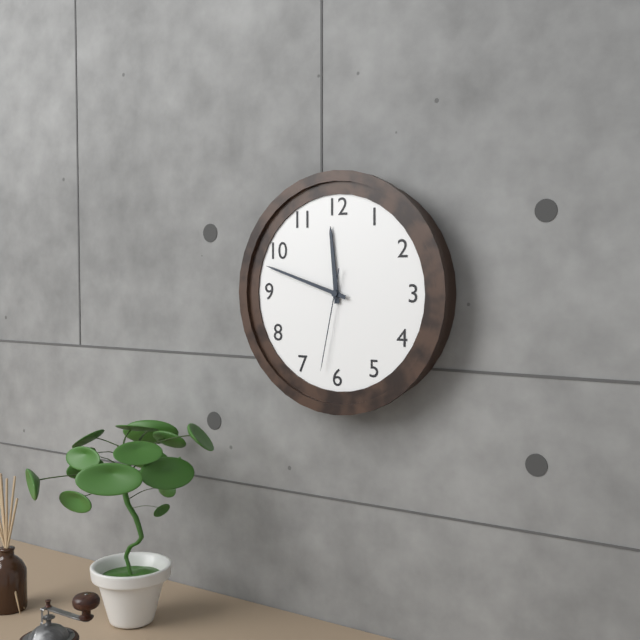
11:48:32
